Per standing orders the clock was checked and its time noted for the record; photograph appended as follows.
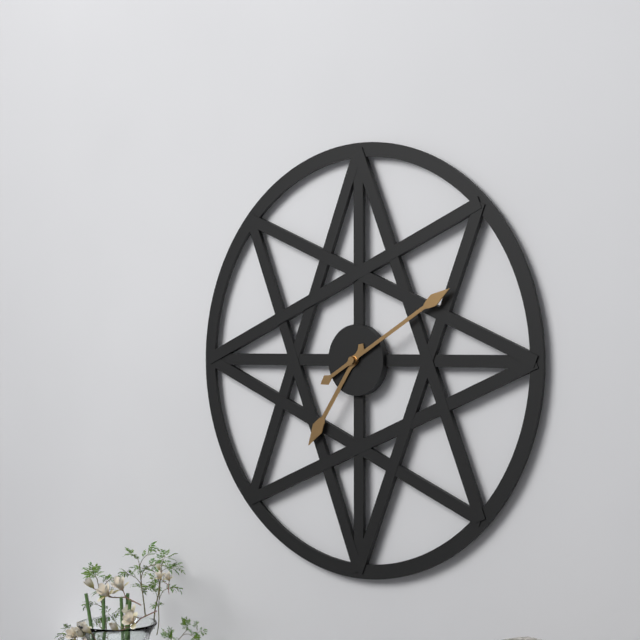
7:10
